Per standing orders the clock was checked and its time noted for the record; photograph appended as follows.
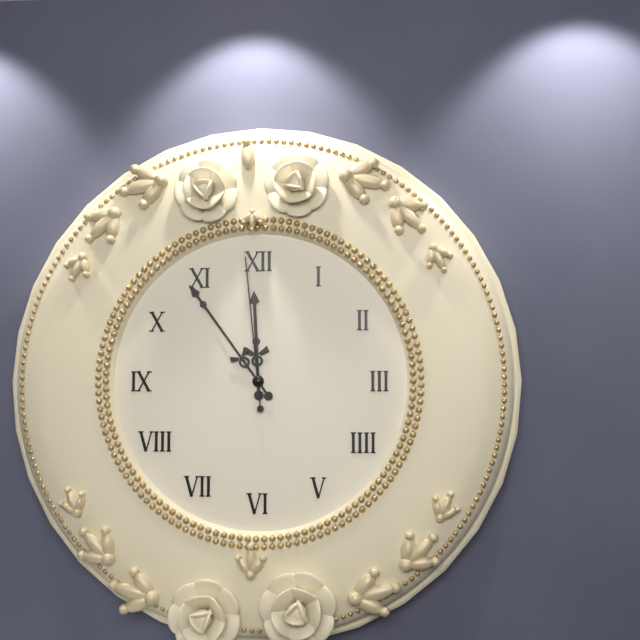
11:54:59
